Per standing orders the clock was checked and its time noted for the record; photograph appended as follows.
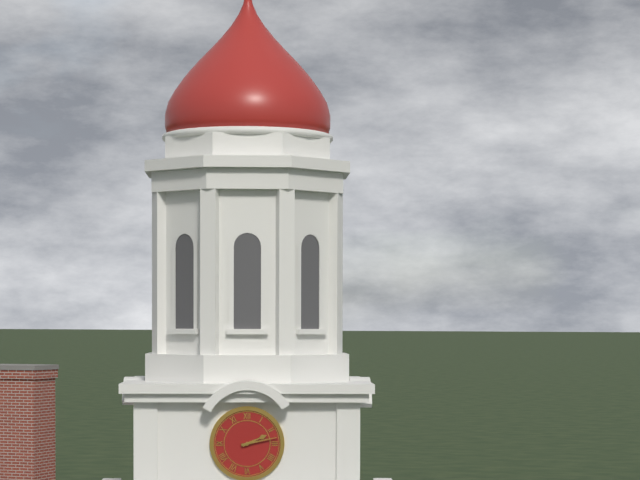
2:13
